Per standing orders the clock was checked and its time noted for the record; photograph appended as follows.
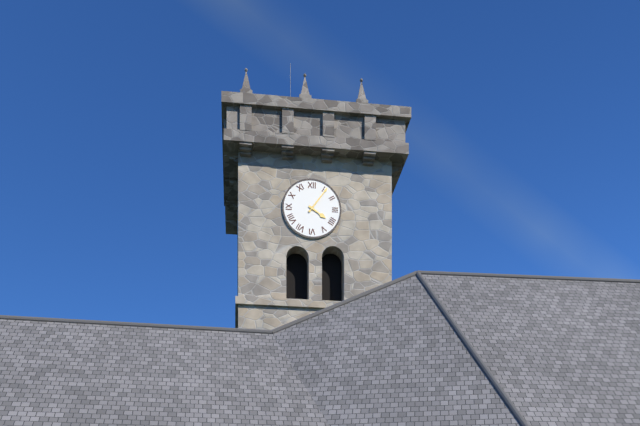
4:06
